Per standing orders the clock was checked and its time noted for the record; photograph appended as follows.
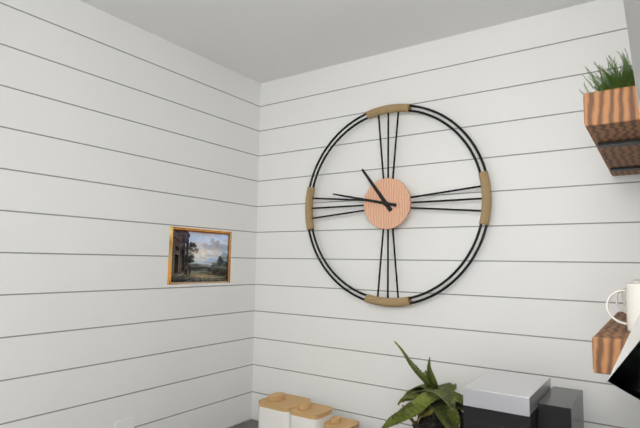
10:47
